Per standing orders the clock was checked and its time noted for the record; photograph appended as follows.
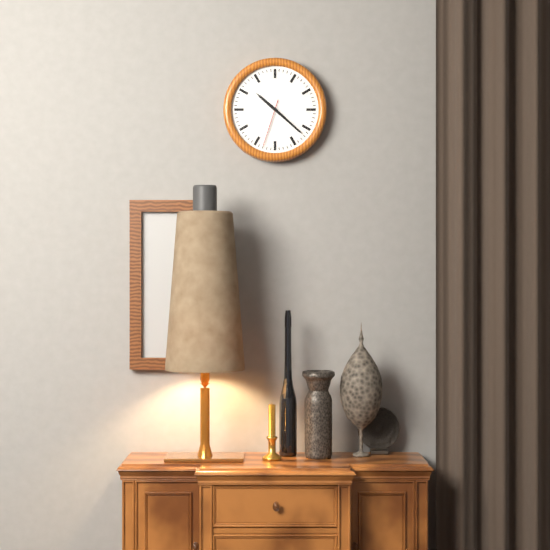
10:22
